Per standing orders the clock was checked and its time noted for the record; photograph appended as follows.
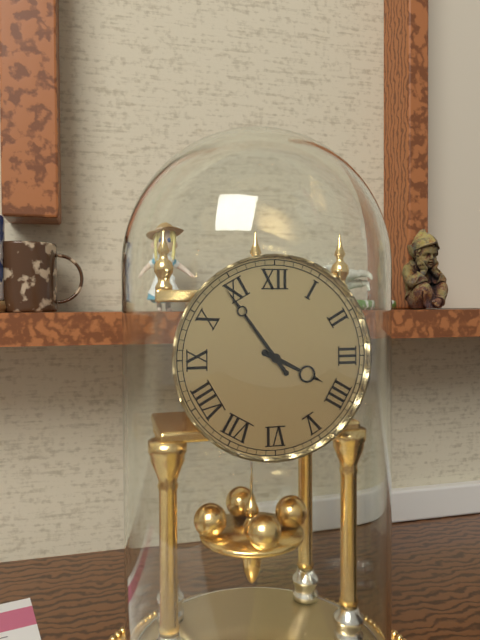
3:54
